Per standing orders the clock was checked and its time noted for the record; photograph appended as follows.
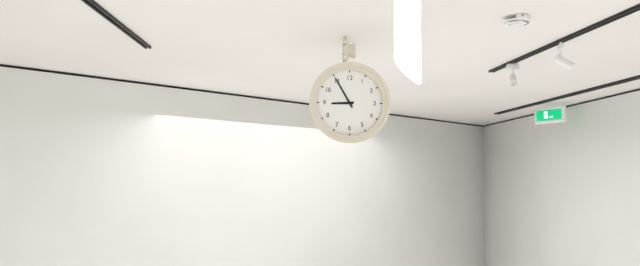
8:55
